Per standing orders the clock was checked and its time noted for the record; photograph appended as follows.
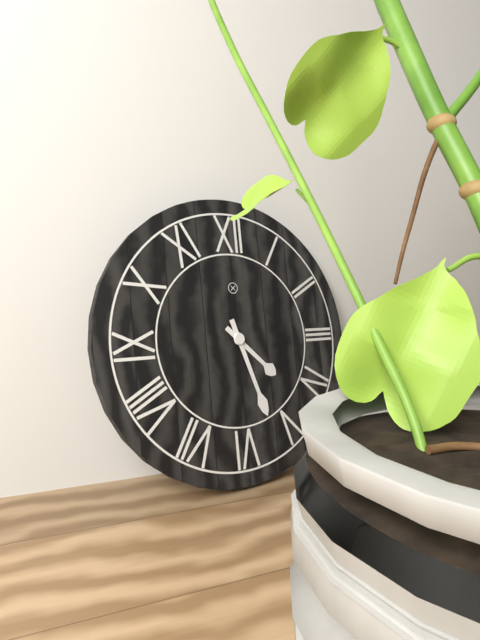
4:27
